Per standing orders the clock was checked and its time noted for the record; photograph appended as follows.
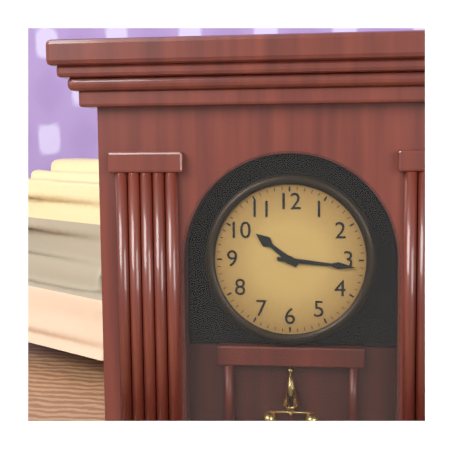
10:16
